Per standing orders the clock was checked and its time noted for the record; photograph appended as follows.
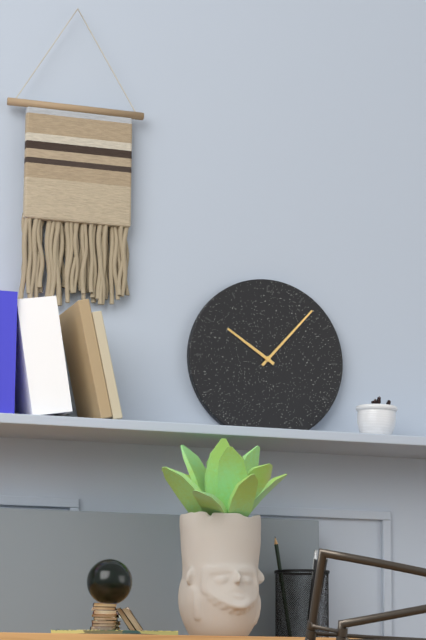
10:07
